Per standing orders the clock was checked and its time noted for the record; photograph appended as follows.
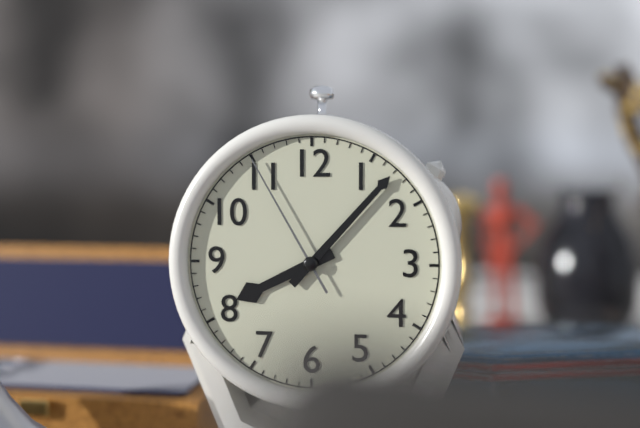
8:07:55
